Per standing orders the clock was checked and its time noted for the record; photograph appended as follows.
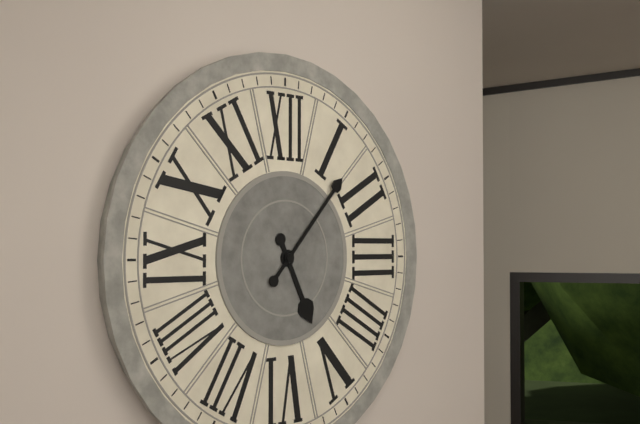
5:07
